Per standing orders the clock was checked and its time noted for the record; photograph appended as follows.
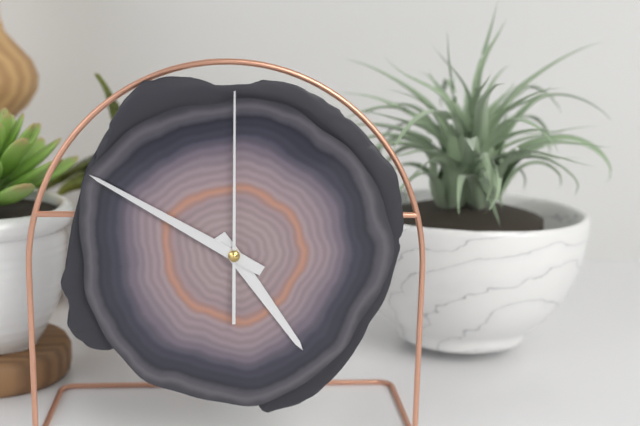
4:50:00
